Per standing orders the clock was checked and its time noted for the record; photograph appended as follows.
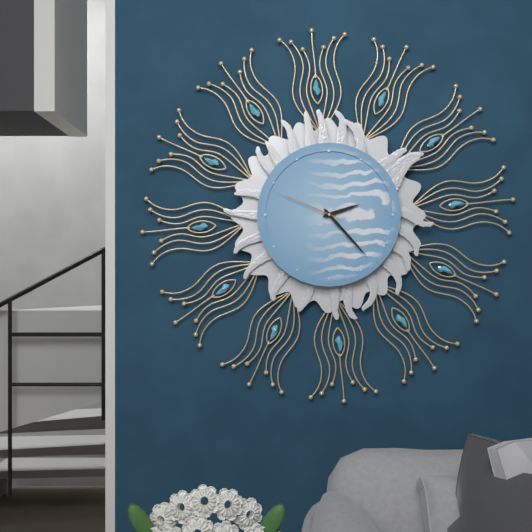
2:23:49
